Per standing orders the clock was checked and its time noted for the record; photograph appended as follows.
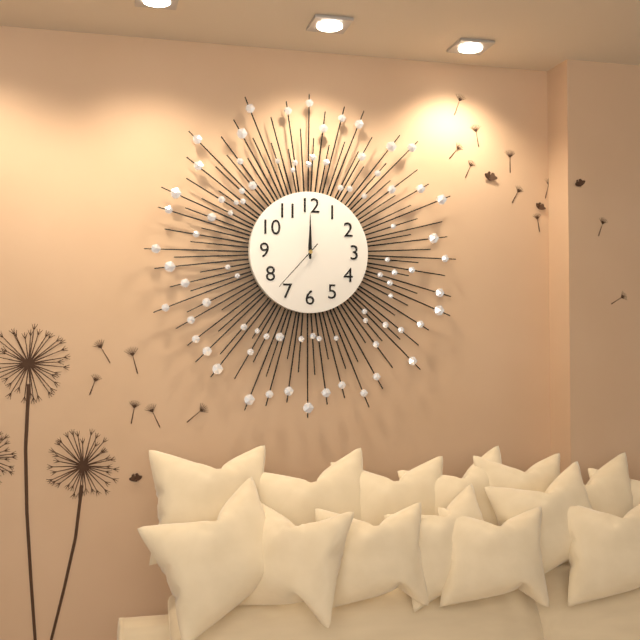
12:00:37
